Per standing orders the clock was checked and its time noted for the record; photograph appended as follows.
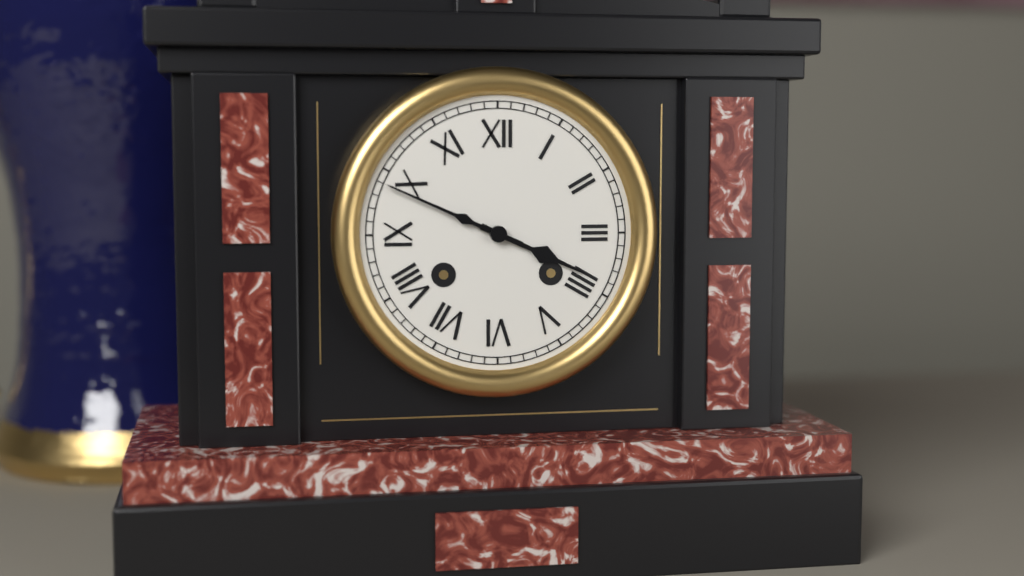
3:49
